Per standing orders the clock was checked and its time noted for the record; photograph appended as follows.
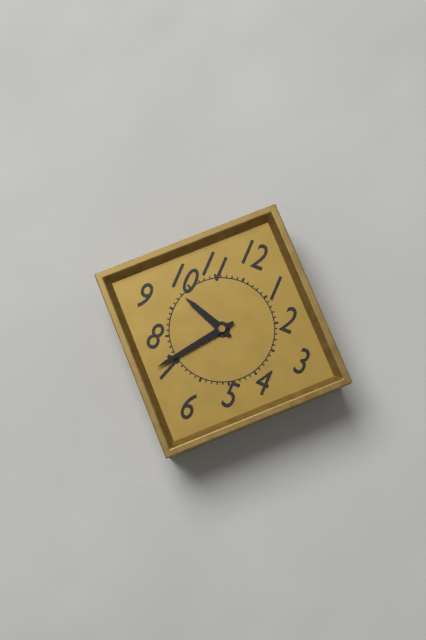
9:36
